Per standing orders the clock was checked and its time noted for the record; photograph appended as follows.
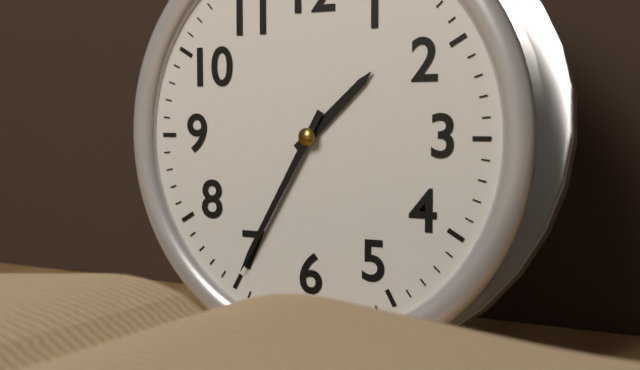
1:35
